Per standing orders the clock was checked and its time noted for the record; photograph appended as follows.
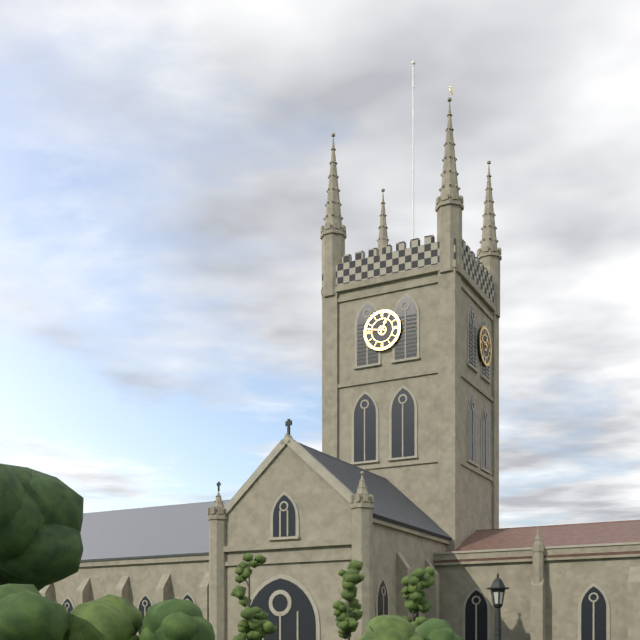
12:47
